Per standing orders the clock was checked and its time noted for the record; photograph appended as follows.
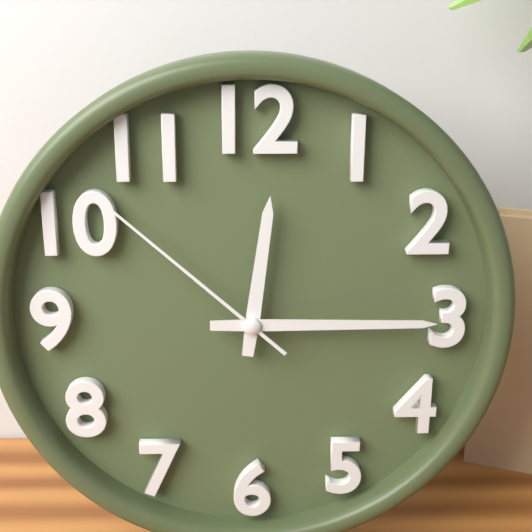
12:15:52
